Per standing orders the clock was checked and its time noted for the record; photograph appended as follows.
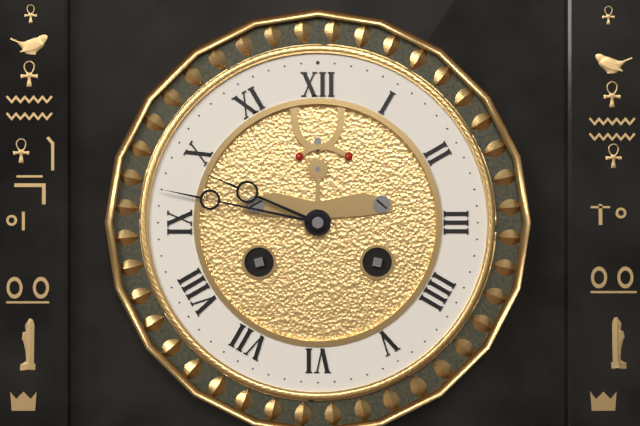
9:47
